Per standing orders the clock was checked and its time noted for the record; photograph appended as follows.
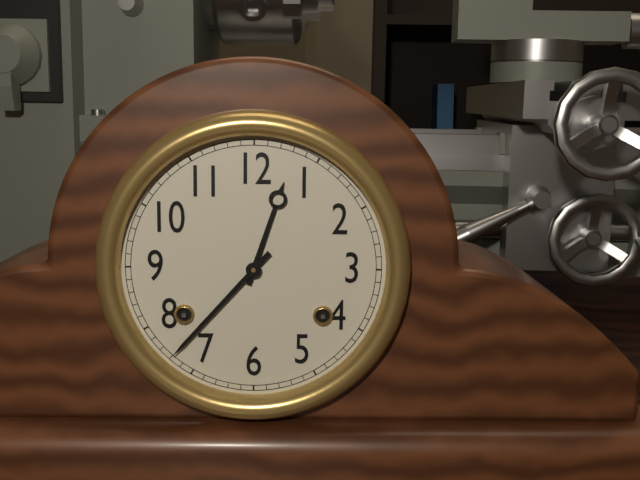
12:37
